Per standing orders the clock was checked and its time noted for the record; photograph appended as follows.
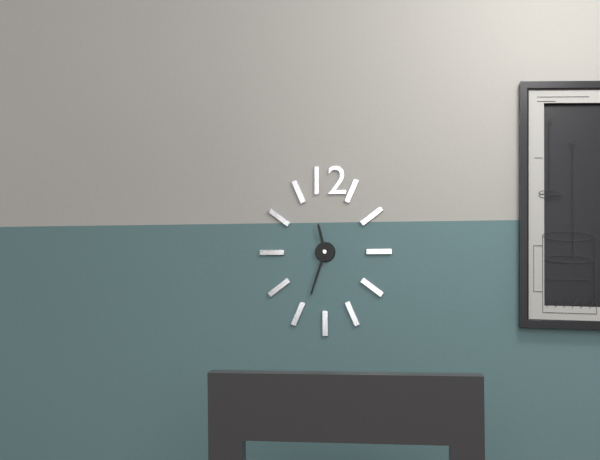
11:33
